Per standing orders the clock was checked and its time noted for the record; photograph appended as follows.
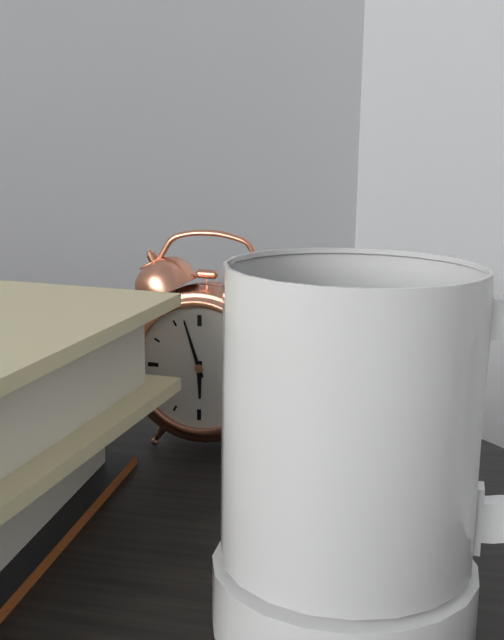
5:57
